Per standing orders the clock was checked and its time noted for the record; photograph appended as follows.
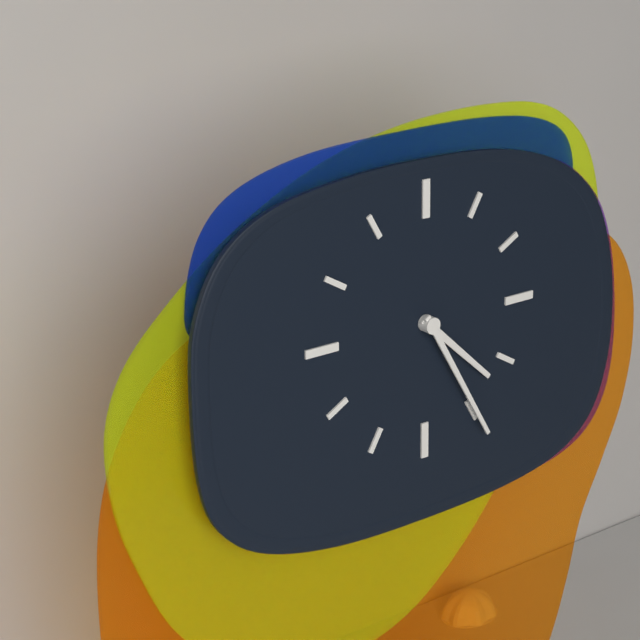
4:25
